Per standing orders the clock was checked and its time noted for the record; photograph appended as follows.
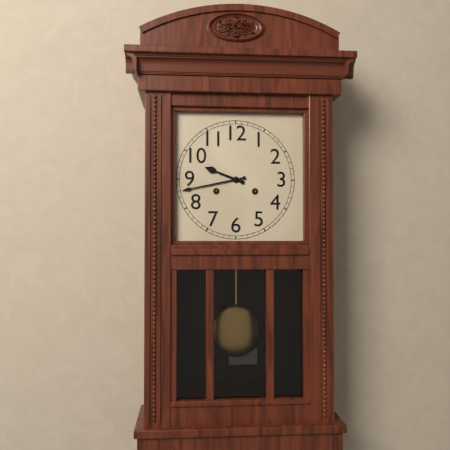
9:43
